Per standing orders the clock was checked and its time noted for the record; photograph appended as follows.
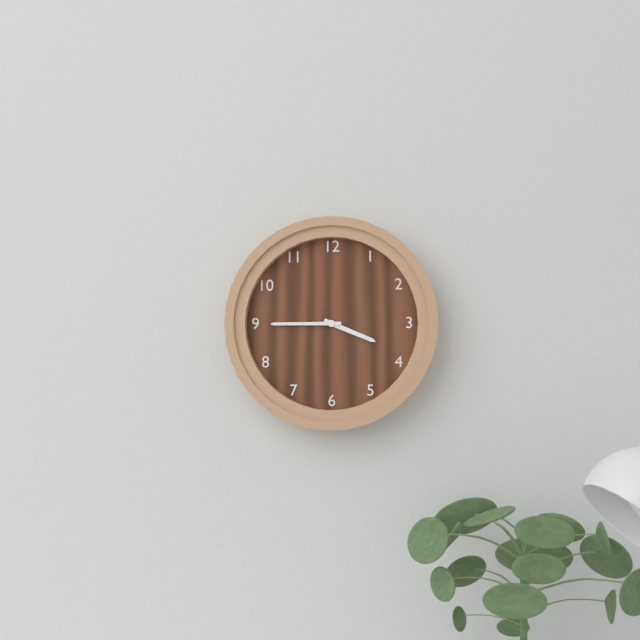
3:45
